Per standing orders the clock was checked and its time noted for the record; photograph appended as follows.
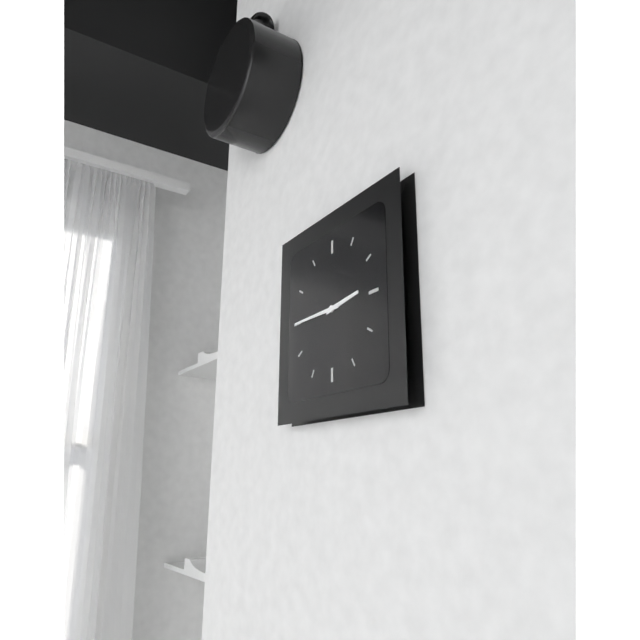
2:45
